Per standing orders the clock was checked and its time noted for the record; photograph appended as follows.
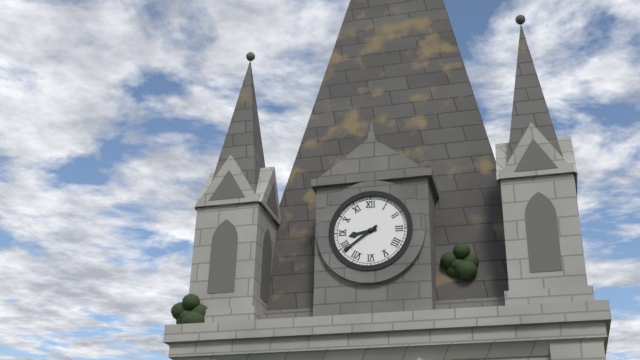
8:39
